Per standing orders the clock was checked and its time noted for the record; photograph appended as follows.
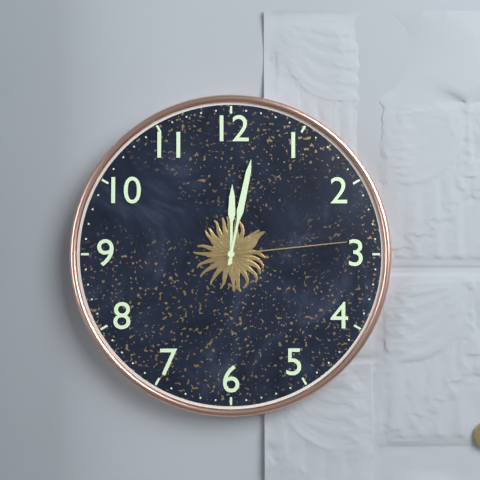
12:02:14
